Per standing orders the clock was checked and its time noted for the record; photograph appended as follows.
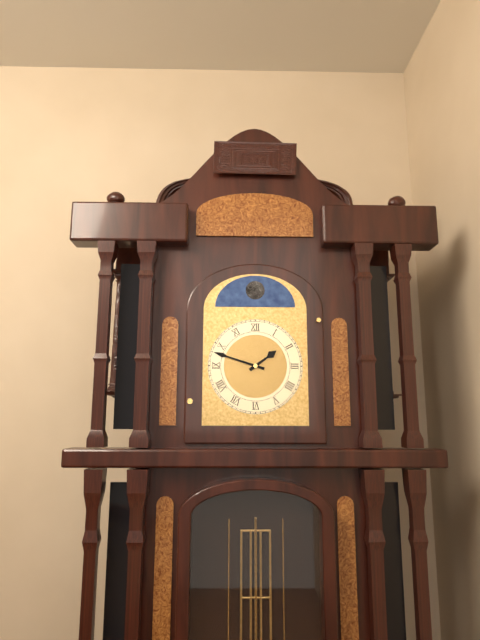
1:48
